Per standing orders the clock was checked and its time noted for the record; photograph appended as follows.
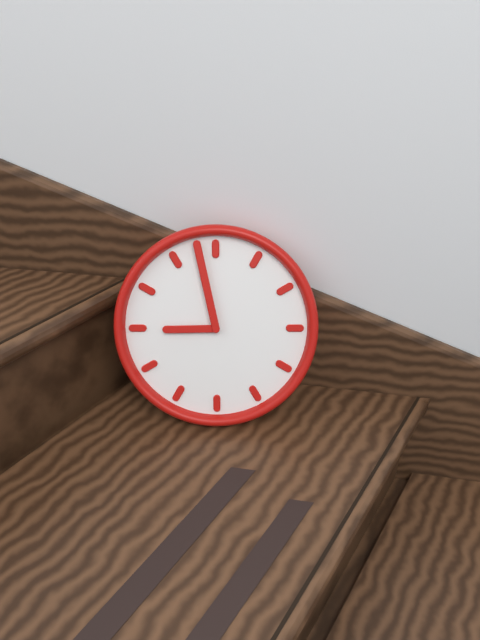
8:58
